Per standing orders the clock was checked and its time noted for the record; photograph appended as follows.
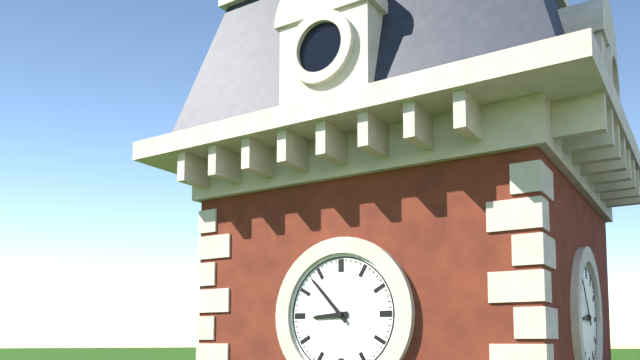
8:53
